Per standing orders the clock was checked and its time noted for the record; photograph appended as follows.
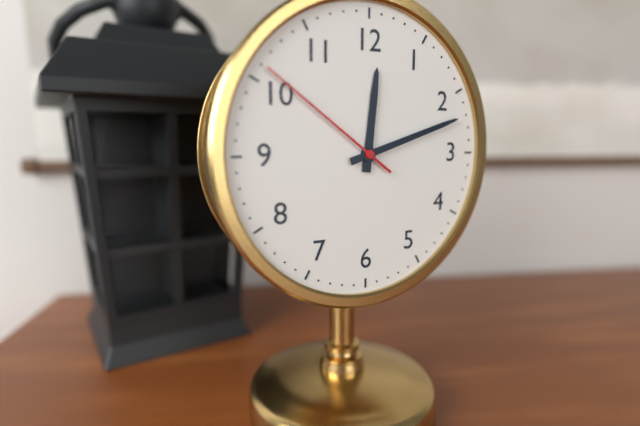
12:12:51
